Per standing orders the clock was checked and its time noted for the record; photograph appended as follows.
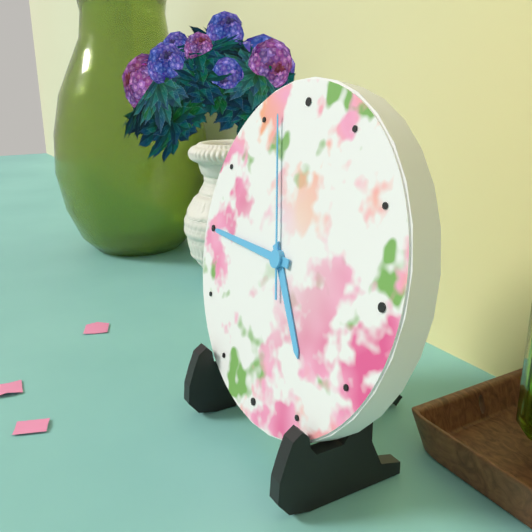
4:45:57
